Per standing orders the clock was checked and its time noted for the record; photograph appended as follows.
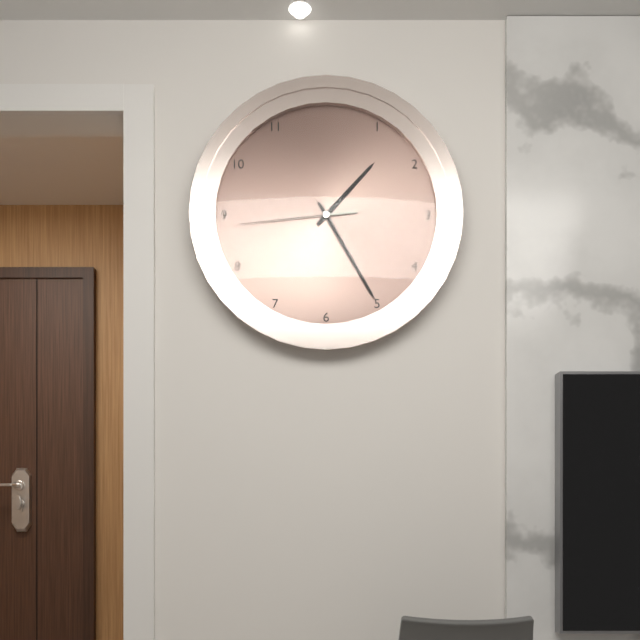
1:25:44
